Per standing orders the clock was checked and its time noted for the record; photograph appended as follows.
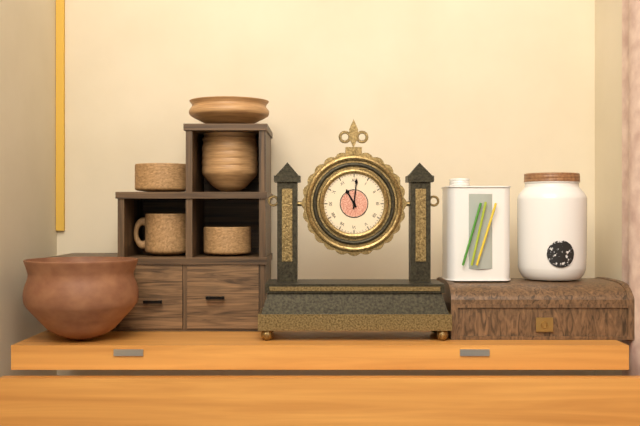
11:01
